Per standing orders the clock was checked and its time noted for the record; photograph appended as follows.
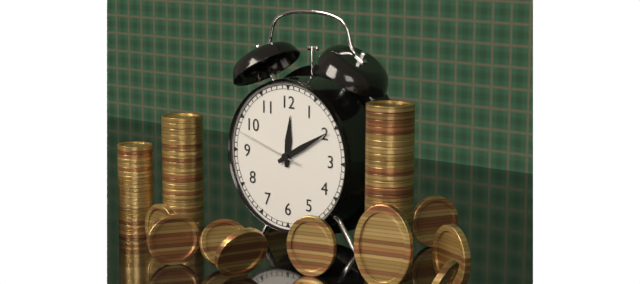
12:10:48
